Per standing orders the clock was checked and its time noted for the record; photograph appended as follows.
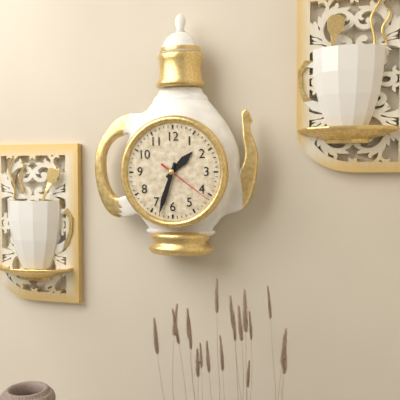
1:33:21
